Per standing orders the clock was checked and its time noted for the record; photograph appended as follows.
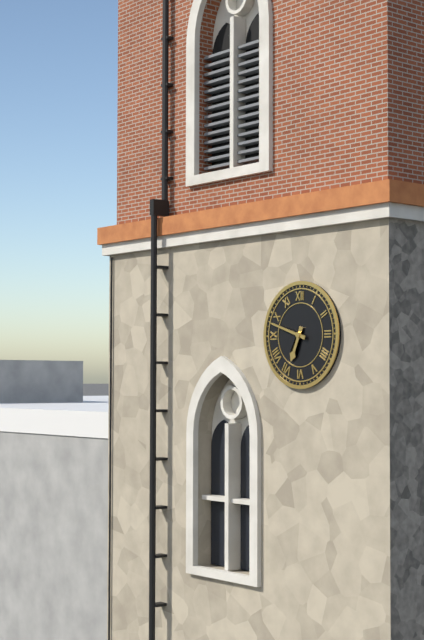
6:48
